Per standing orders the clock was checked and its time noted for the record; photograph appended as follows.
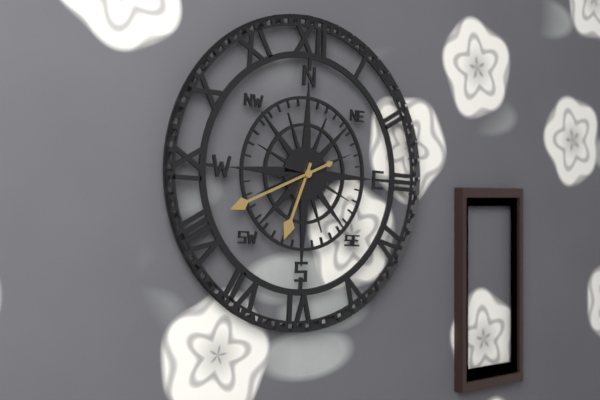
6:41
